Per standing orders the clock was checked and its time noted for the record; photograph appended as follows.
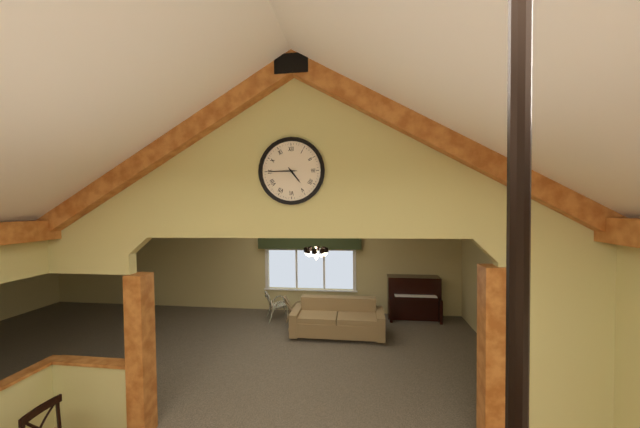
4:45
